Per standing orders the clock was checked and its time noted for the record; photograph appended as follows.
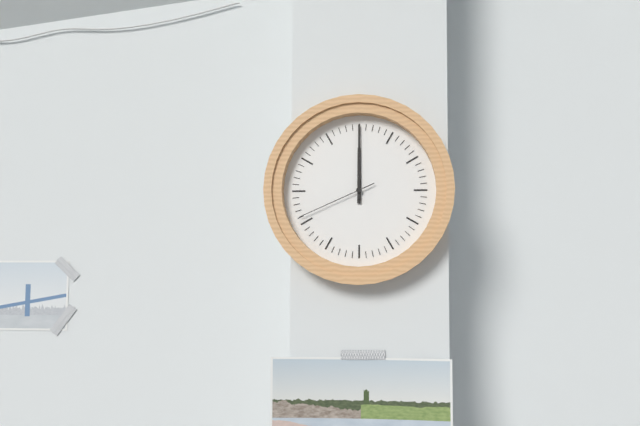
12:00:41
